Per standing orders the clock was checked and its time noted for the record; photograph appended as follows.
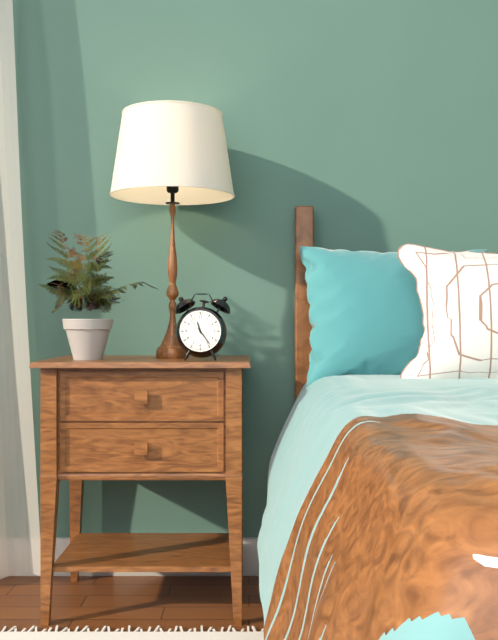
11:24
